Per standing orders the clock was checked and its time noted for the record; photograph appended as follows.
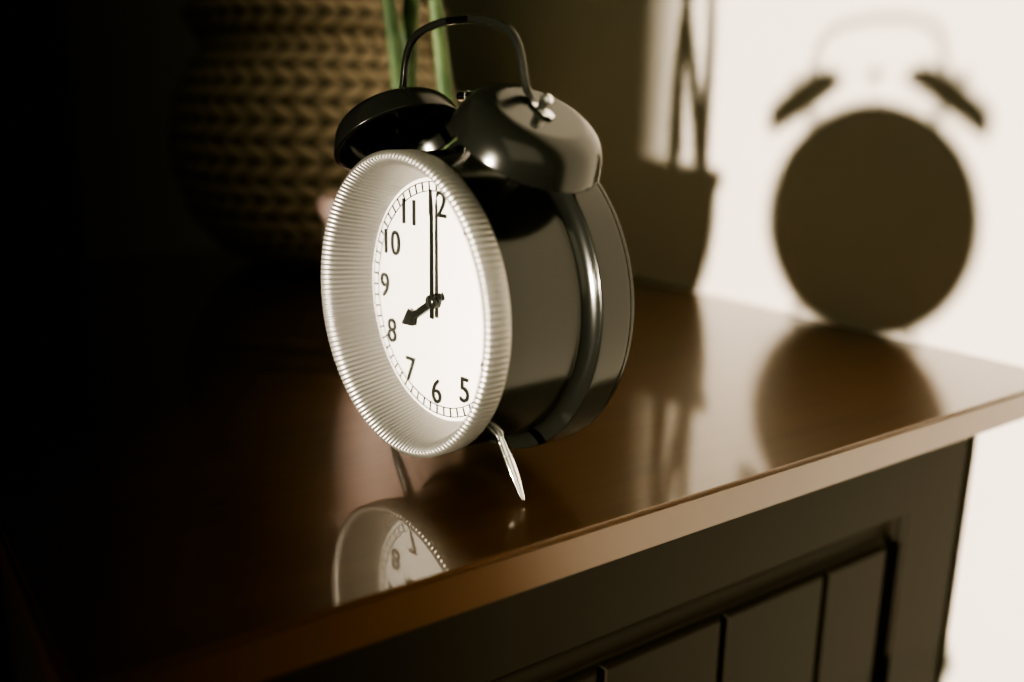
8:00
